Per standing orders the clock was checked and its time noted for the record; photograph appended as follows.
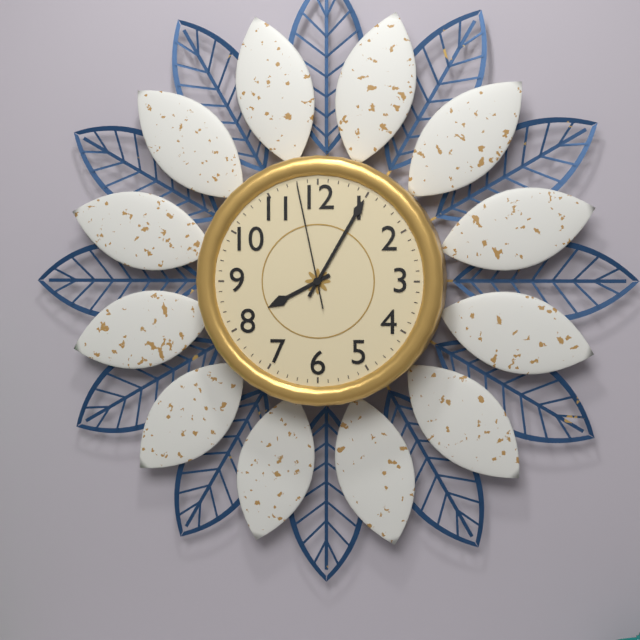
8:05:58
